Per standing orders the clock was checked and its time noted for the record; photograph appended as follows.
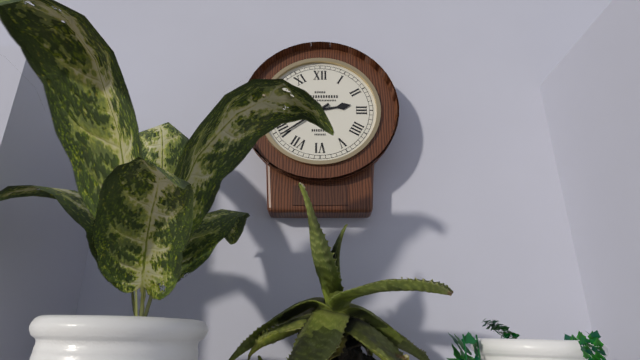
2:39
